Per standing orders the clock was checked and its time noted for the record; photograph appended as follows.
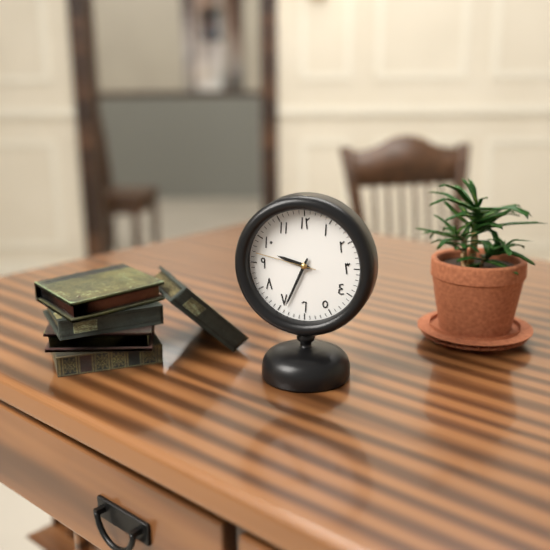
9:34:47
